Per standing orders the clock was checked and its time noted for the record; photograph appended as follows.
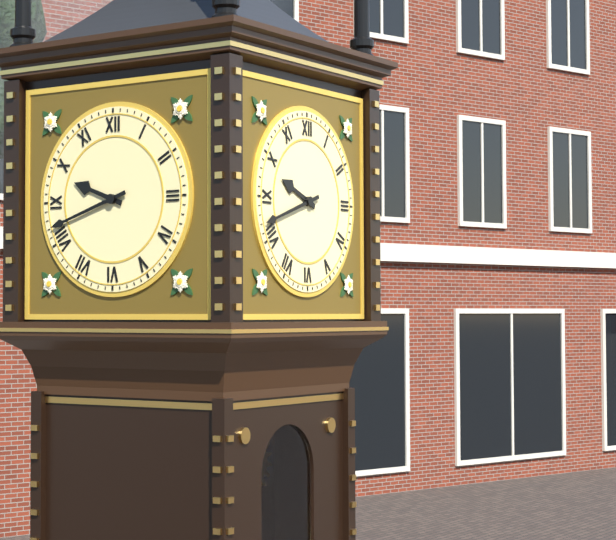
9:42
